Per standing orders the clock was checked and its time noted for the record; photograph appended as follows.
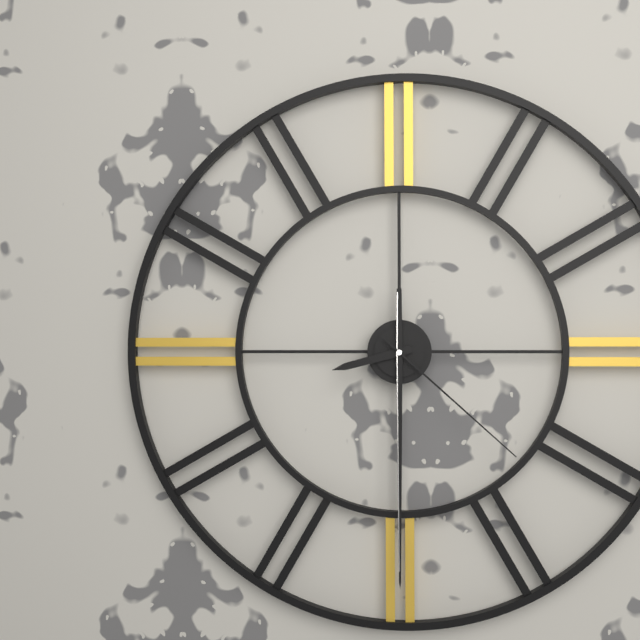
8:30:22
